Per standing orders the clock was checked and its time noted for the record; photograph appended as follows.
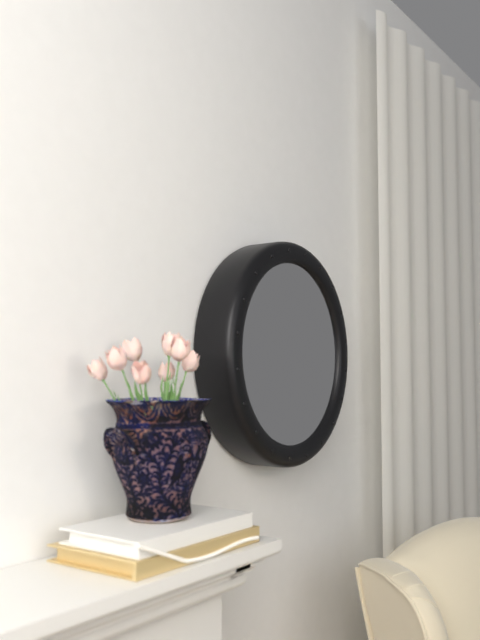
6:28
